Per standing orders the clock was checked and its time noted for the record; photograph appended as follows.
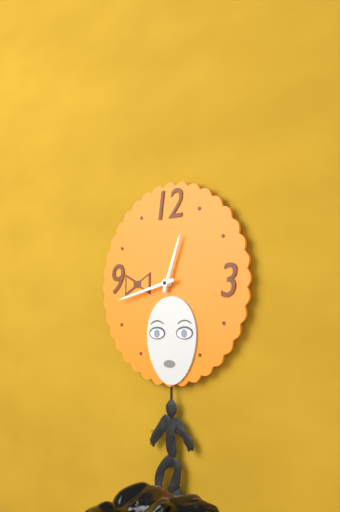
12:43
